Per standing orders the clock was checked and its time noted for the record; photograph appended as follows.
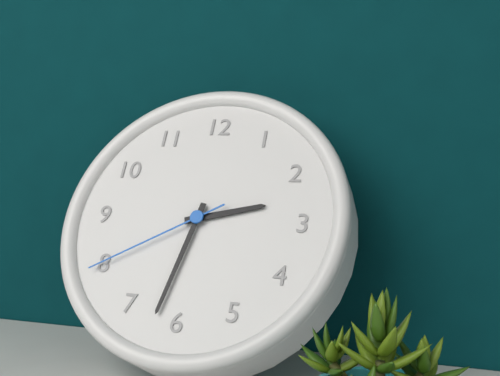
2:32:40
